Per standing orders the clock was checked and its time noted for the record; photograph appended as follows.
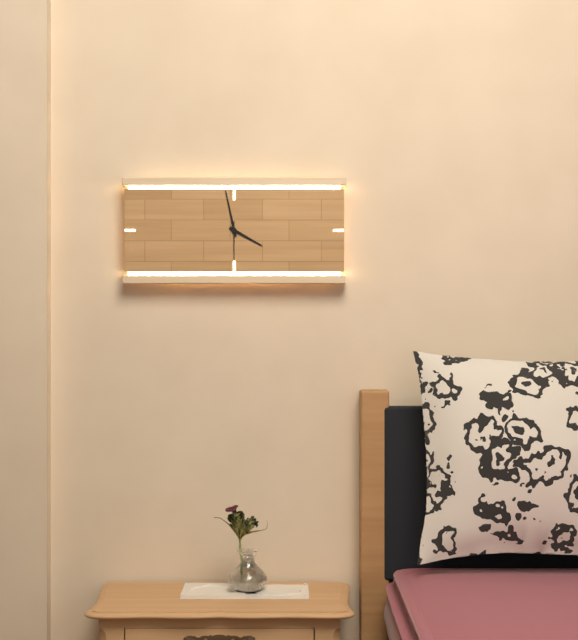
3:58:30
